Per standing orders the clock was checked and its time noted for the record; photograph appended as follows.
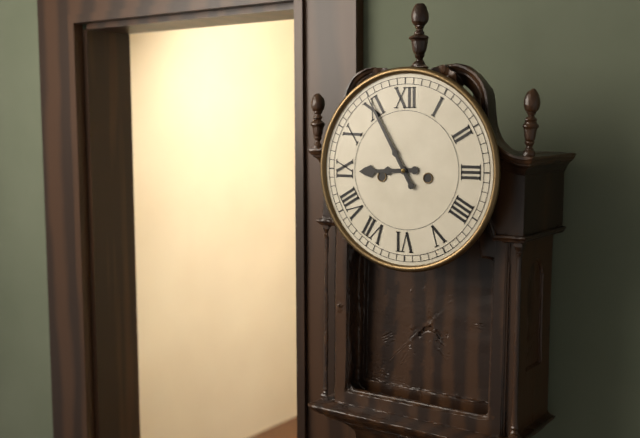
8:55
